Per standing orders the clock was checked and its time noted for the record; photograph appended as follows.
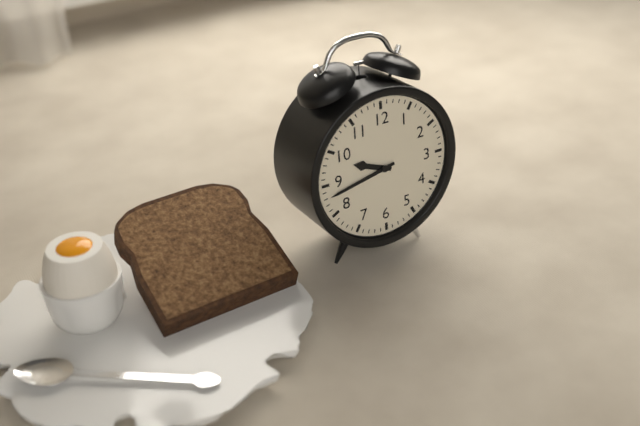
9:43
